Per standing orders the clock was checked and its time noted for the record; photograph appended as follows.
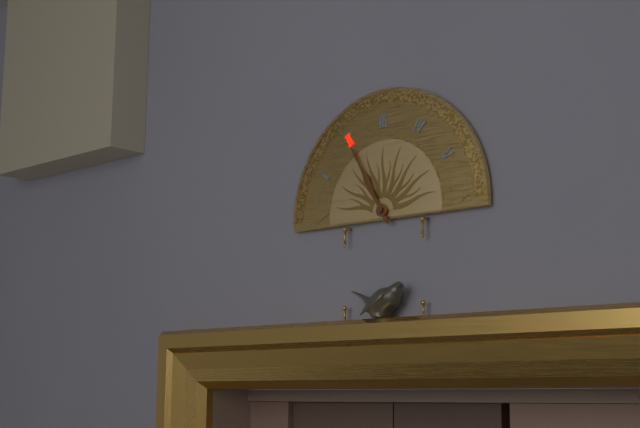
10:55
